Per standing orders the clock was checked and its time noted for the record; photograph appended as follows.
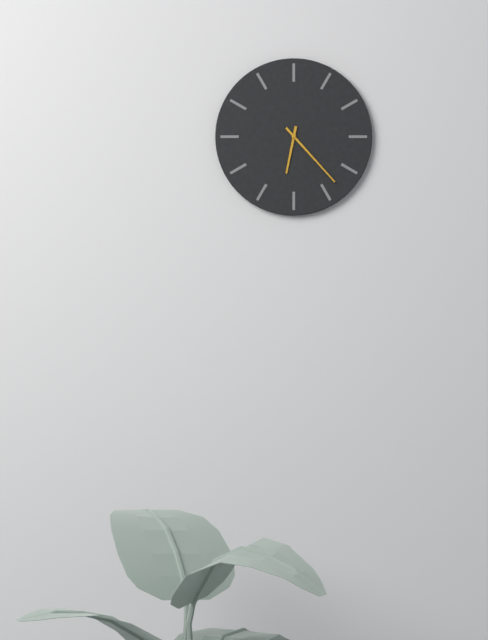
6:23
